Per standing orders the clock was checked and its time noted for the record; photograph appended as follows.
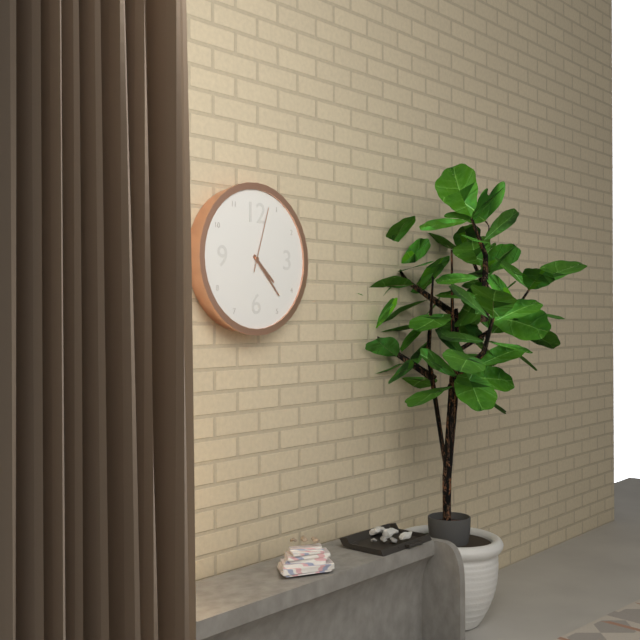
4:23:03
